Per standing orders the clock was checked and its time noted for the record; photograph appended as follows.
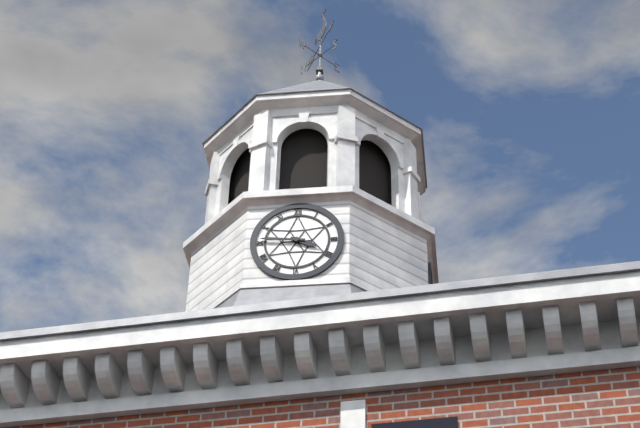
3:46
